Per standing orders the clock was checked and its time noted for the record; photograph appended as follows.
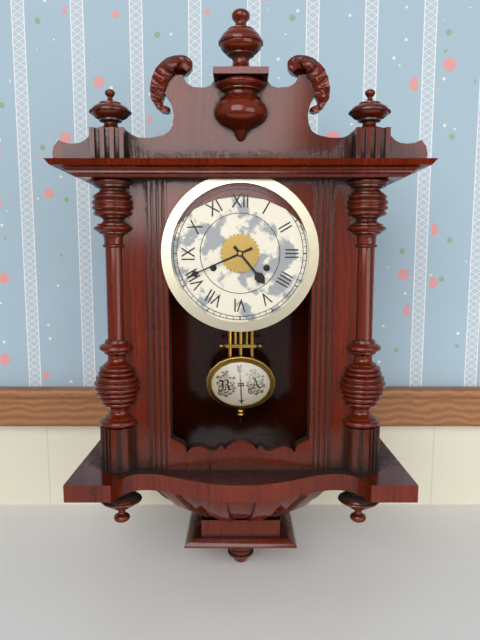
4:41
